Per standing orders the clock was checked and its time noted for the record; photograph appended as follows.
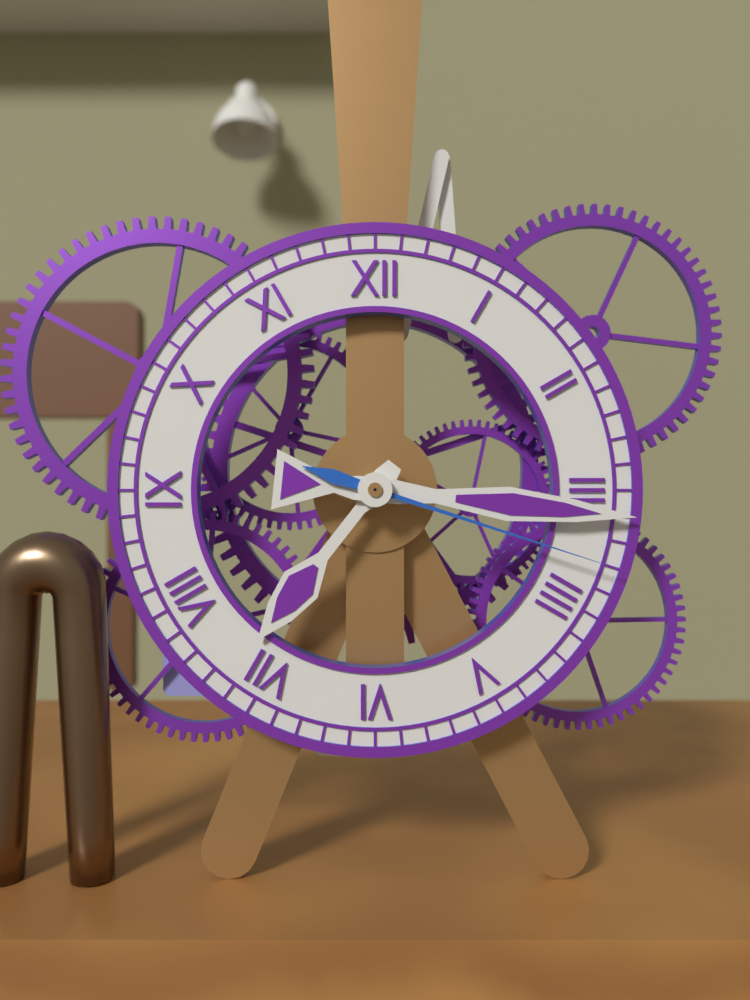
7:16:18
